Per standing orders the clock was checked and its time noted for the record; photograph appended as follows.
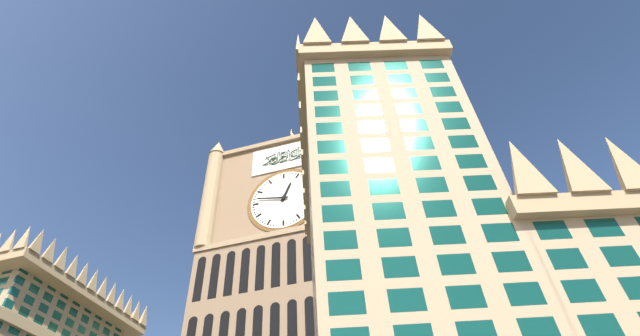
12:47
